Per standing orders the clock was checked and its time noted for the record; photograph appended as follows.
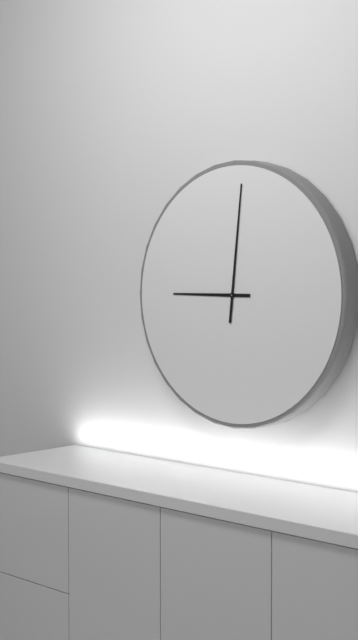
9:01
